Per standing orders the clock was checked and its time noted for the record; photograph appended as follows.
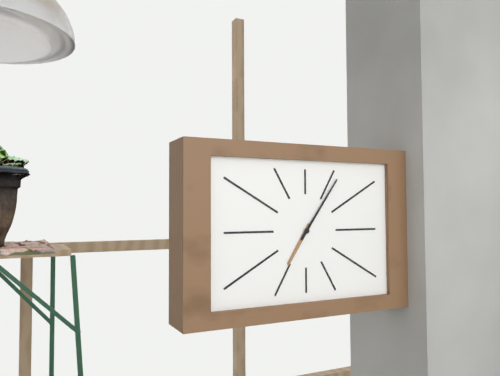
7:06
